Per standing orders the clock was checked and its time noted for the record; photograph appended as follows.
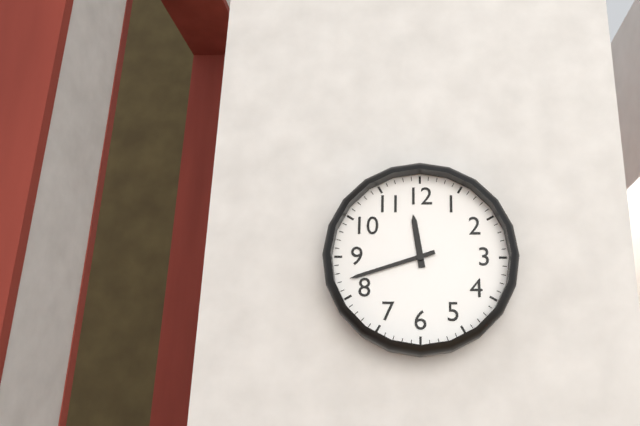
11:42
